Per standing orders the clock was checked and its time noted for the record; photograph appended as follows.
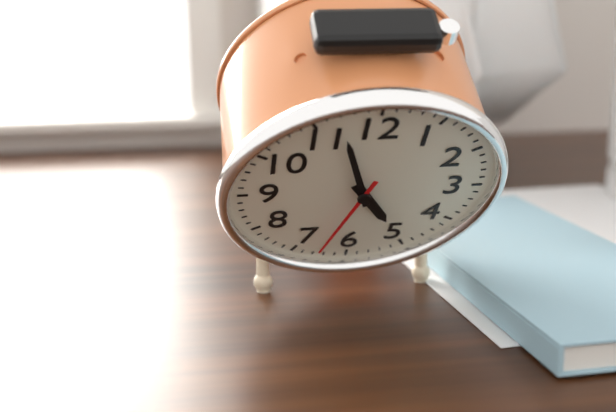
4:57:33
